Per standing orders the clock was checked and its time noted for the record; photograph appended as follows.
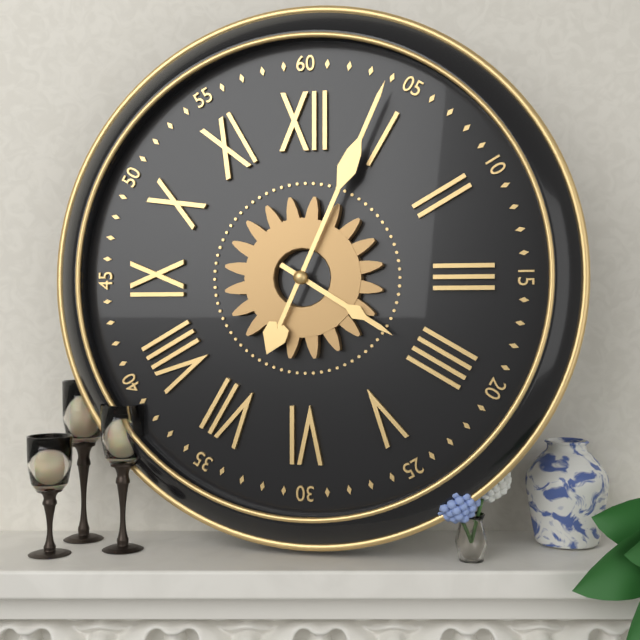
4:04
